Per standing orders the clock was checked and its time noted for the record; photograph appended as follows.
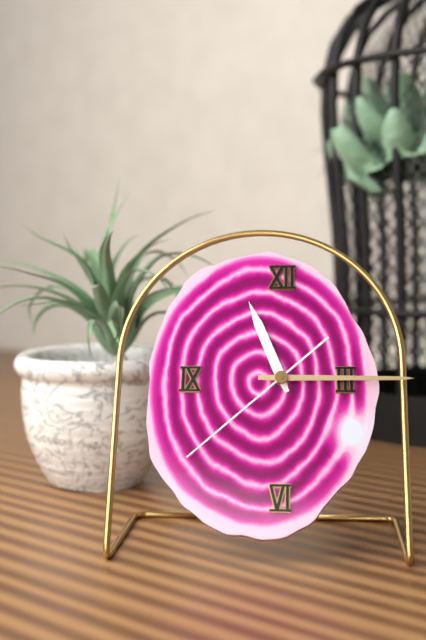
11:15:38
